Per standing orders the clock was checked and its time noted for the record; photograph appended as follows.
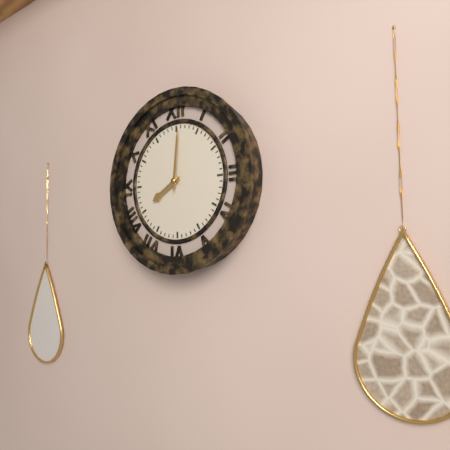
8:01
